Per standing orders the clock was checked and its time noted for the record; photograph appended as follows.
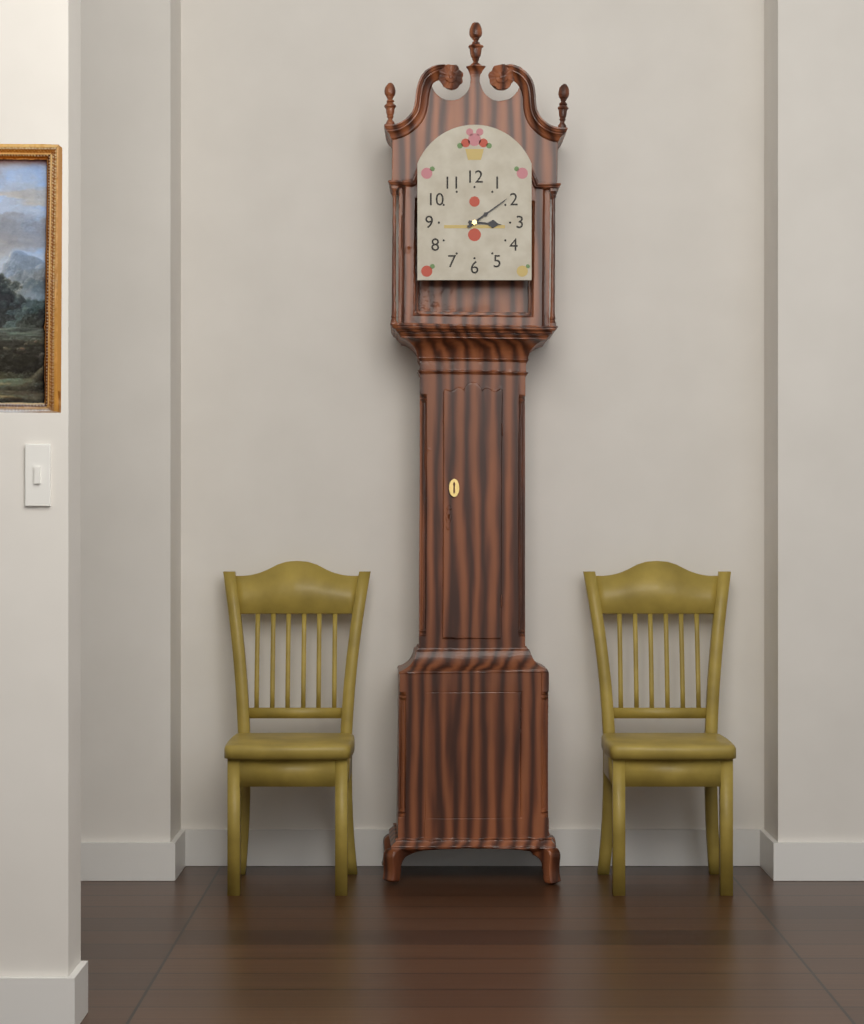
3:09
